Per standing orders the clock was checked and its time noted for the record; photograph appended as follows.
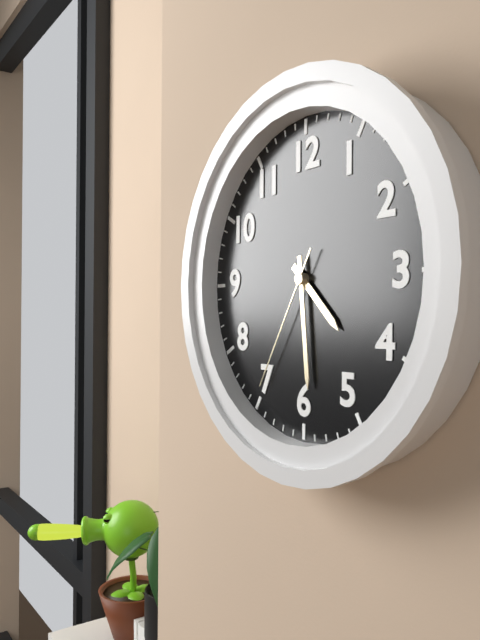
4:29:35
